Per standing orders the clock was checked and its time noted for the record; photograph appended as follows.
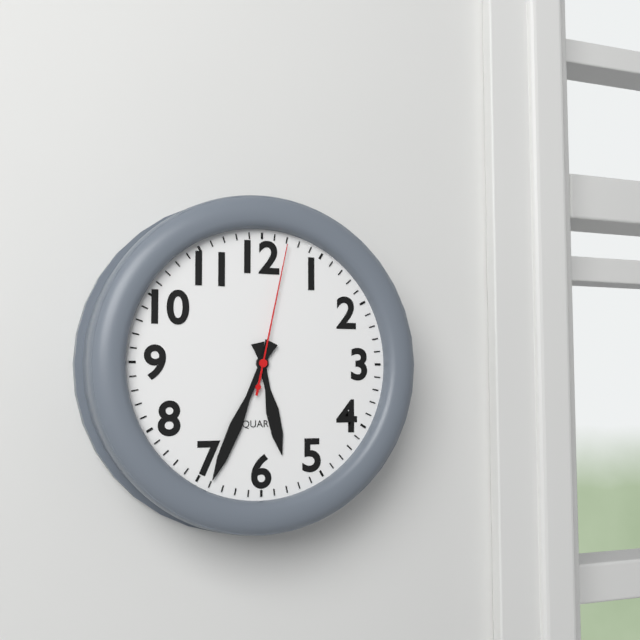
5:34:02
